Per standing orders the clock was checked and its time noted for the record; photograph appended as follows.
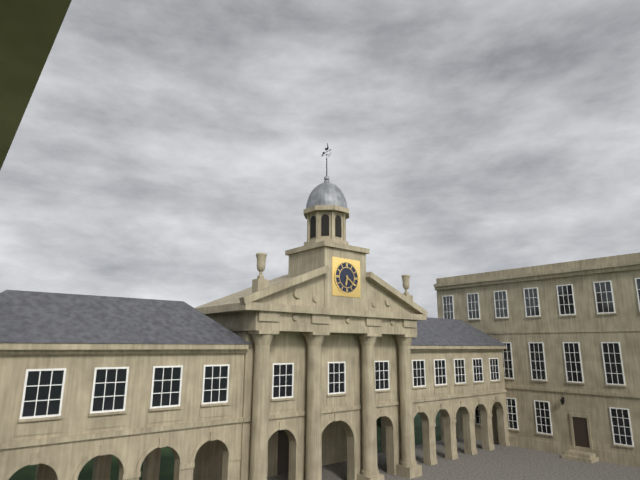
6:21
